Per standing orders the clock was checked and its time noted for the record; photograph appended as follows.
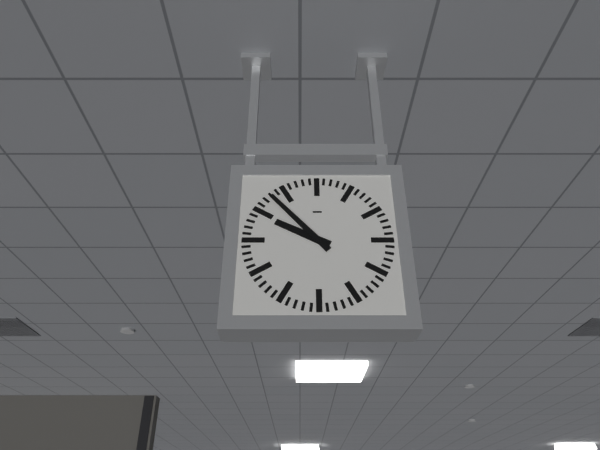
9:53
